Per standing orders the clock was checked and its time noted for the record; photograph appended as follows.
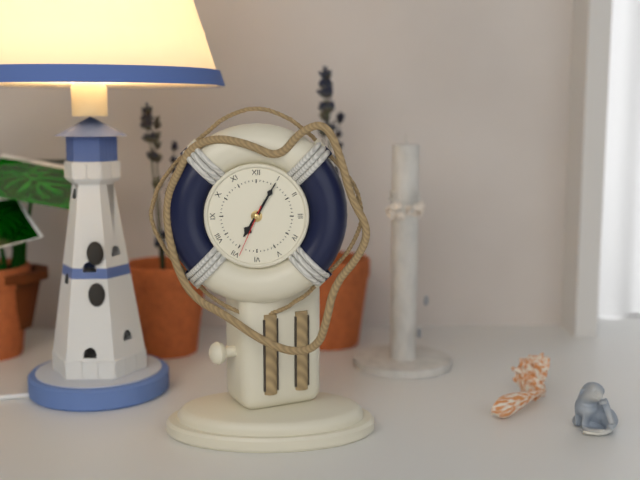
7:05:34
